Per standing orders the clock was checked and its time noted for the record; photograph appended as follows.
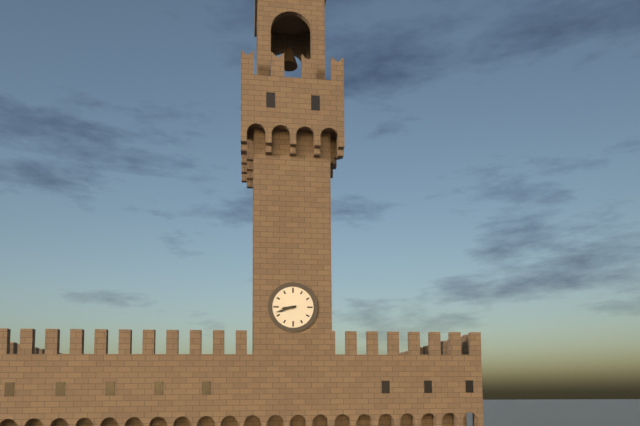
8:42
